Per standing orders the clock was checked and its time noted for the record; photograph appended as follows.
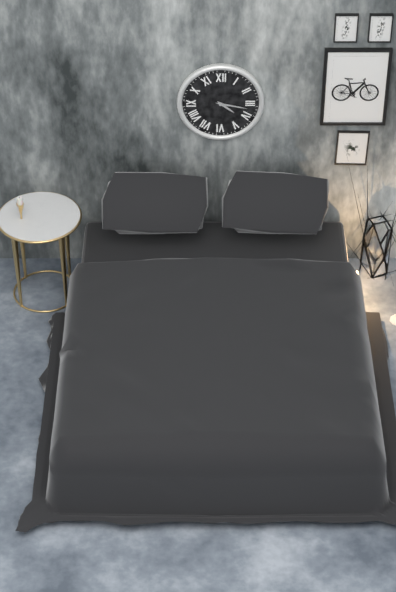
4:17
